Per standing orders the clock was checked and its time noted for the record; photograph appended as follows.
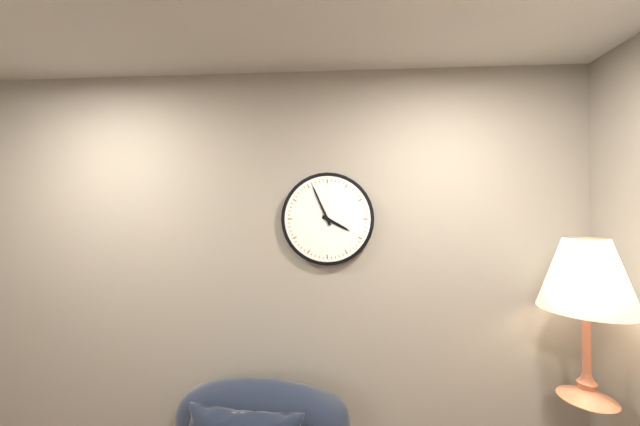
3:56
